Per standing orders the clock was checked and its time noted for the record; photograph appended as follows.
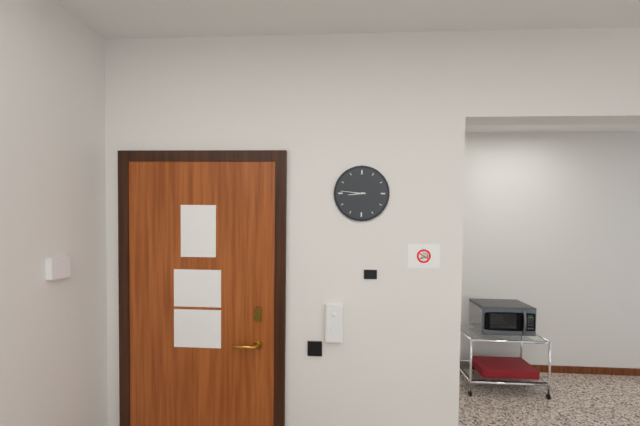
8:46
